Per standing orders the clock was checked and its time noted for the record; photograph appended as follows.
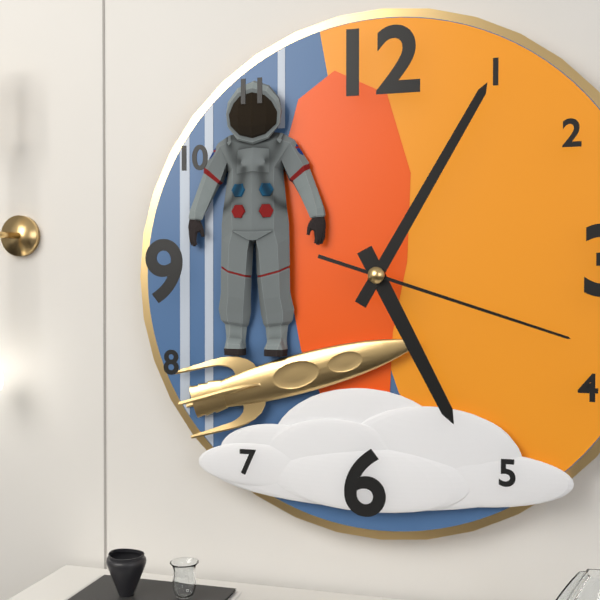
5:05:18
